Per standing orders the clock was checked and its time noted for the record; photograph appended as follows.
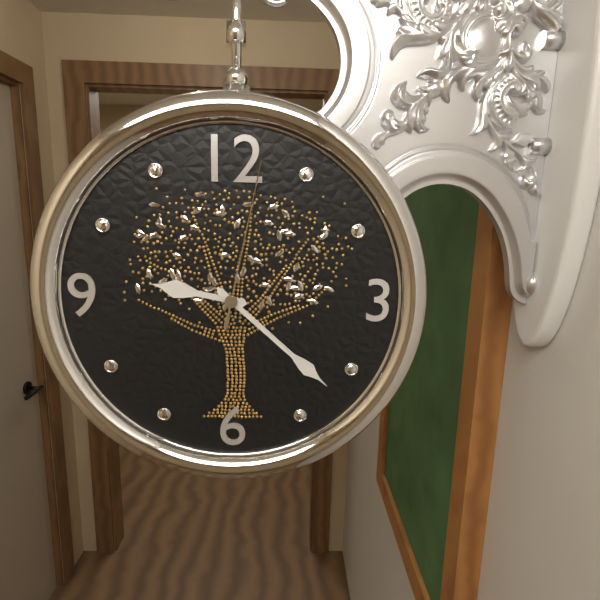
9:22:02
